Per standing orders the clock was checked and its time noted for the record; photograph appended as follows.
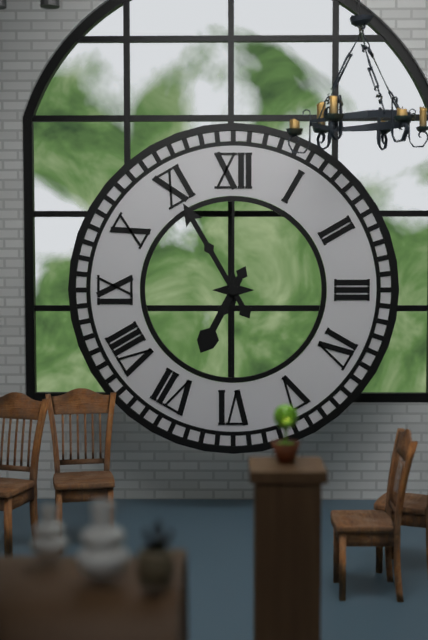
6:55
